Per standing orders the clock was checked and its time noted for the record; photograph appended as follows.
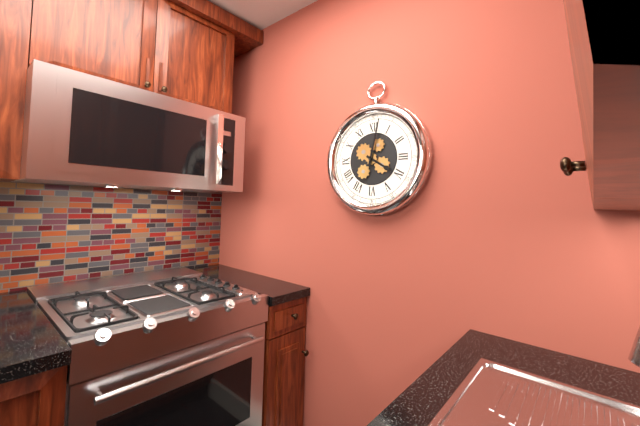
4:02
